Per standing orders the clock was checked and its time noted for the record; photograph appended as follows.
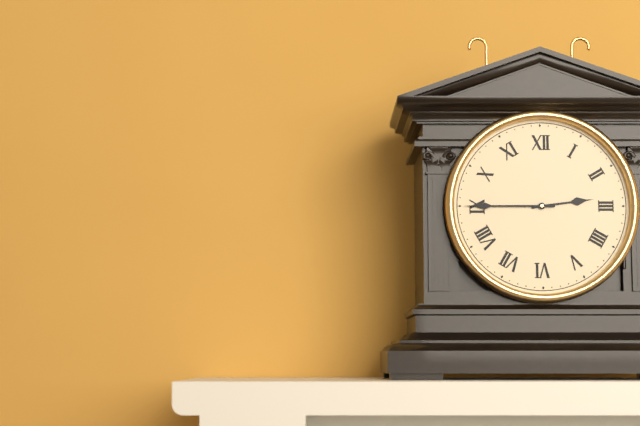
2:45
